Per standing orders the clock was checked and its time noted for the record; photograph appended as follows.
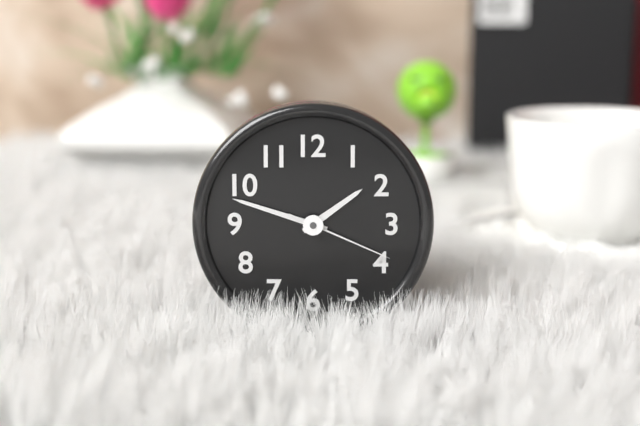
1:48:19
